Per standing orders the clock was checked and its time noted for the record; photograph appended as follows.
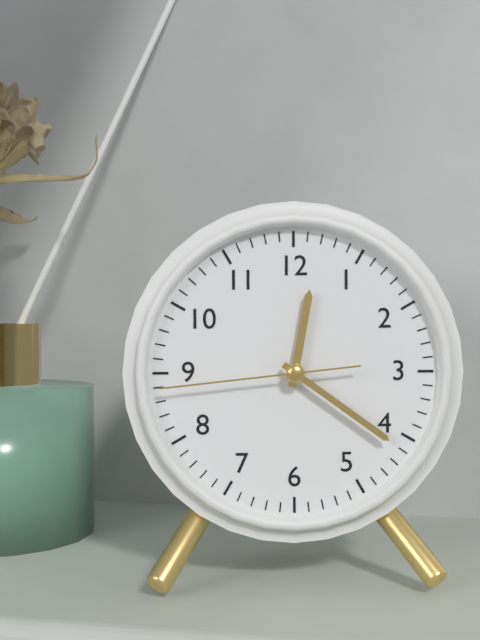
12:21:44
